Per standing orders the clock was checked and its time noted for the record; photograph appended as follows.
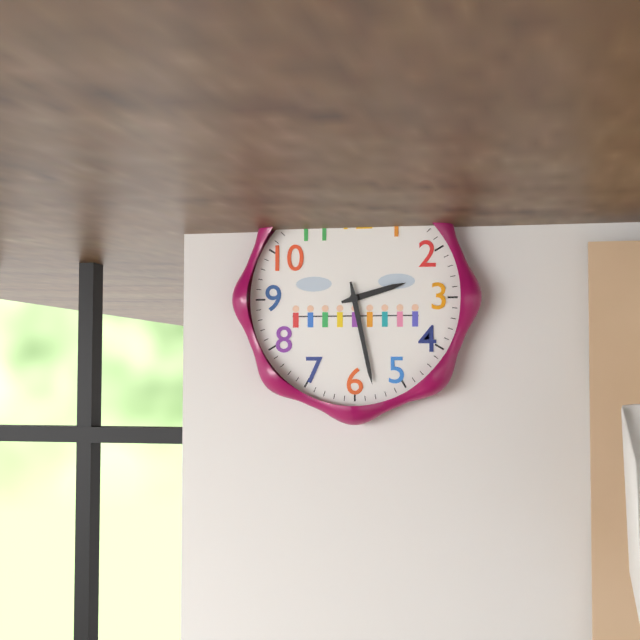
2:28
